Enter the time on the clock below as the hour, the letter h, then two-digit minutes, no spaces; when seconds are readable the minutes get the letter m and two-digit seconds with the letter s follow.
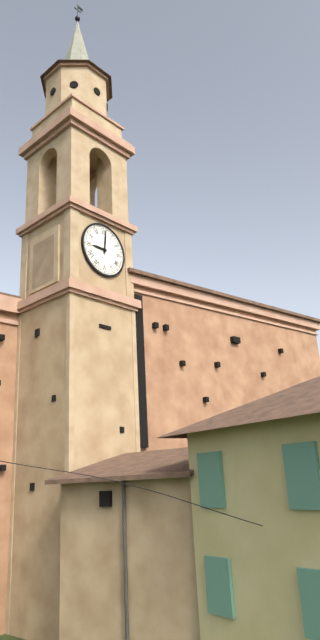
9h01
